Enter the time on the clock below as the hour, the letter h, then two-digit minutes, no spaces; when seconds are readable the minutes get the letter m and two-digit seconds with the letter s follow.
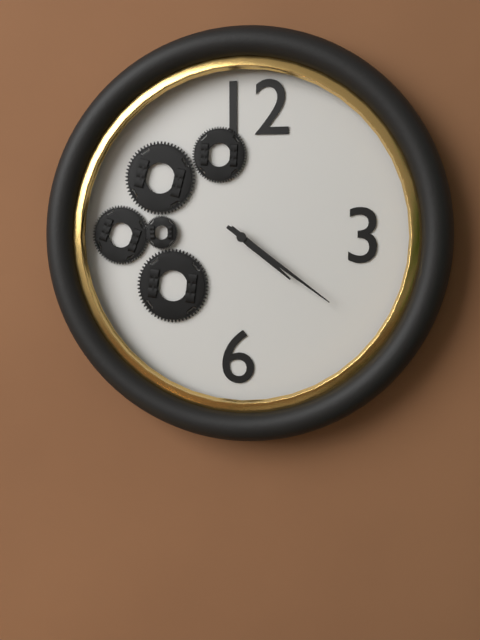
4h21
